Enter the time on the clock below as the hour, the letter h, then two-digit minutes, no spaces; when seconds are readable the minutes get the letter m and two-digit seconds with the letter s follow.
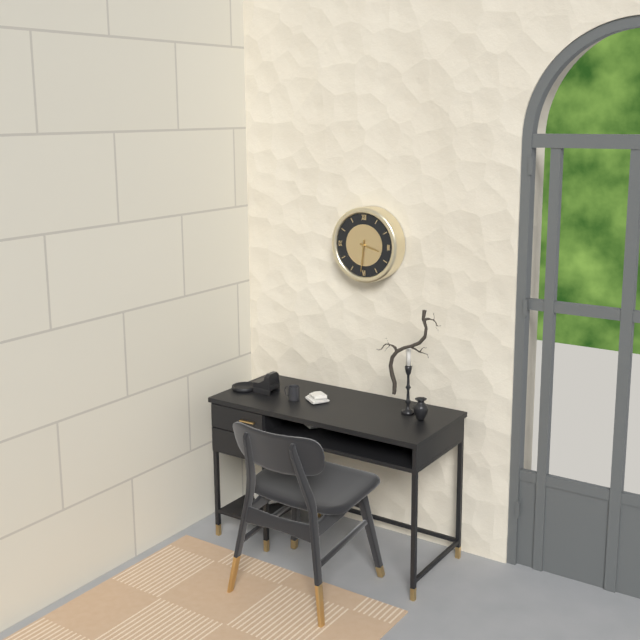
3h31
